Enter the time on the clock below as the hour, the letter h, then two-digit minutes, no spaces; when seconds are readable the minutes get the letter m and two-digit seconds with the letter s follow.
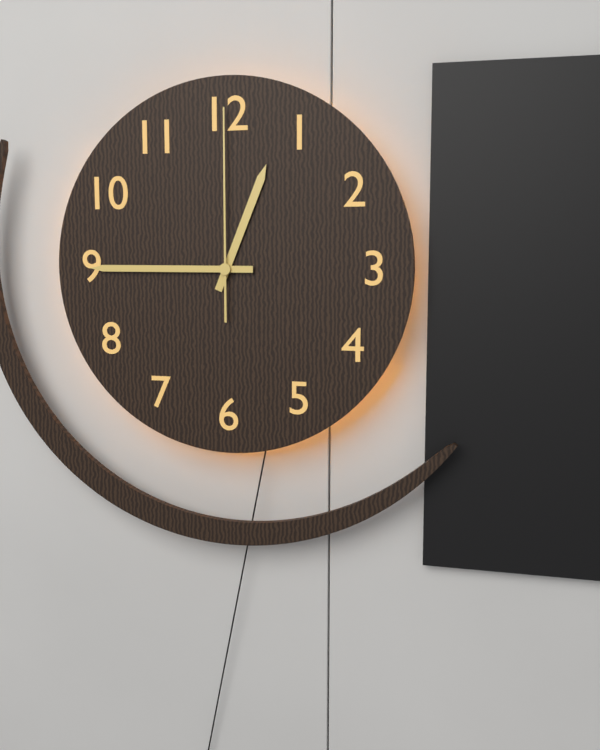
12h45m00s
